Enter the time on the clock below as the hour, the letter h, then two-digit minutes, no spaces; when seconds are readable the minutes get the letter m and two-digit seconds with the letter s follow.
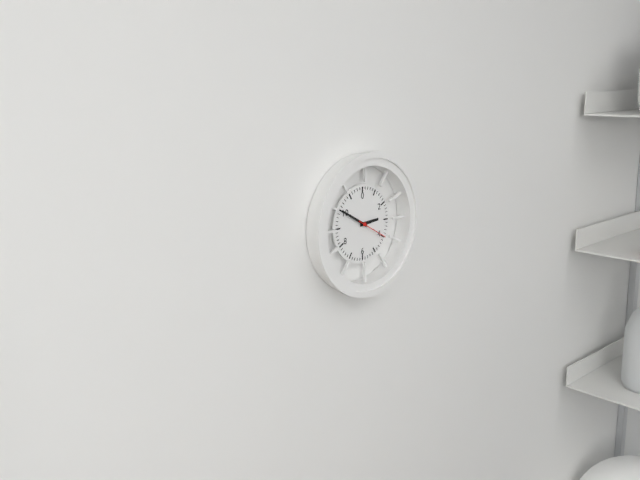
2h50
